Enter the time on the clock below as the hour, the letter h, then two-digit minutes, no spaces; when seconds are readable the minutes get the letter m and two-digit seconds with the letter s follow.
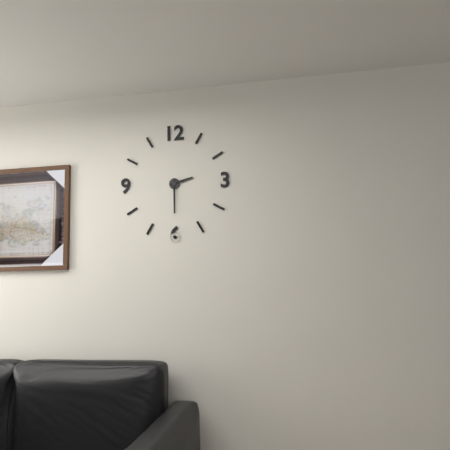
2h30
